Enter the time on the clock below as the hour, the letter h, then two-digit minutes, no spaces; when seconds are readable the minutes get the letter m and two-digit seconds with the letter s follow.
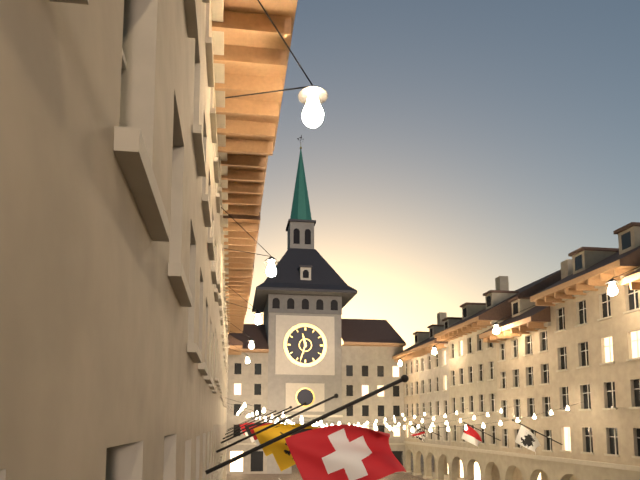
11h33
